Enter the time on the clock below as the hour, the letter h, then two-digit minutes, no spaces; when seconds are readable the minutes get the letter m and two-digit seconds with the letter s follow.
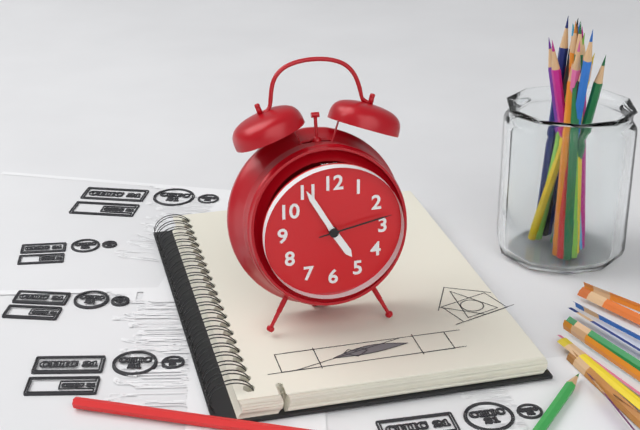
4h55m13s
